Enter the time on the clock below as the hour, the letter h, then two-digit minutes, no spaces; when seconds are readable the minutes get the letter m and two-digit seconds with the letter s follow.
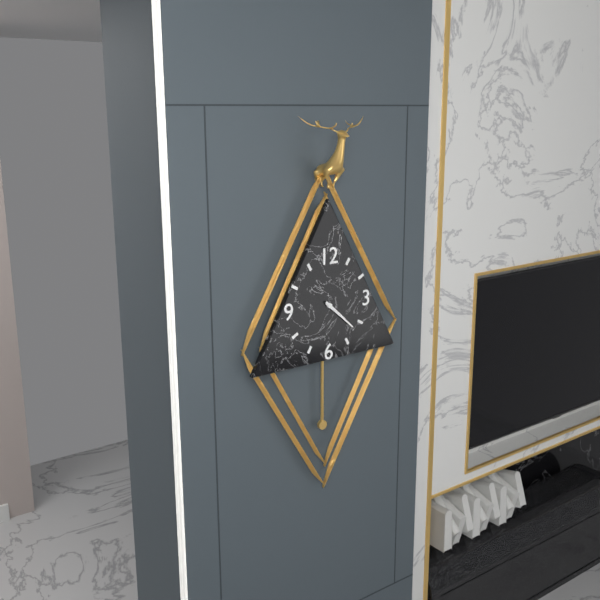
4h22
